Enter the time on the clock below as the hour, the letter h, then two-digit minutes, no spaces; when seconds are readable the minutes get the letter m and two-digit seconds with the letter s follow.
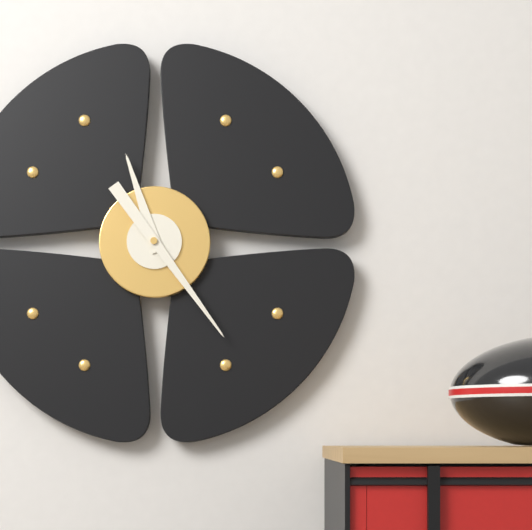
11h24
